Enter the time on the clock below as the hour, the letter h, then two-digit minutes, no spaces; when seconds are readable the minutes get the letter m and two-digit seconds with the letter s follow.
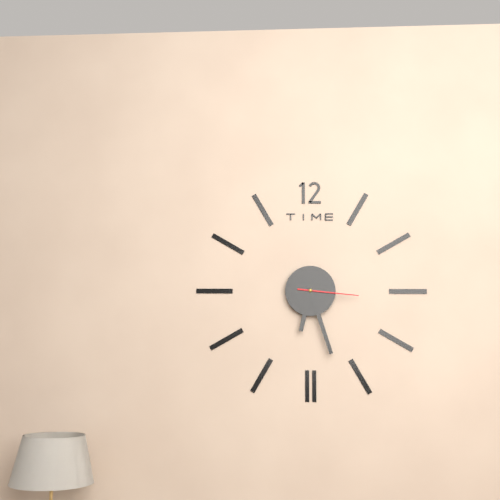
6h27m16s
